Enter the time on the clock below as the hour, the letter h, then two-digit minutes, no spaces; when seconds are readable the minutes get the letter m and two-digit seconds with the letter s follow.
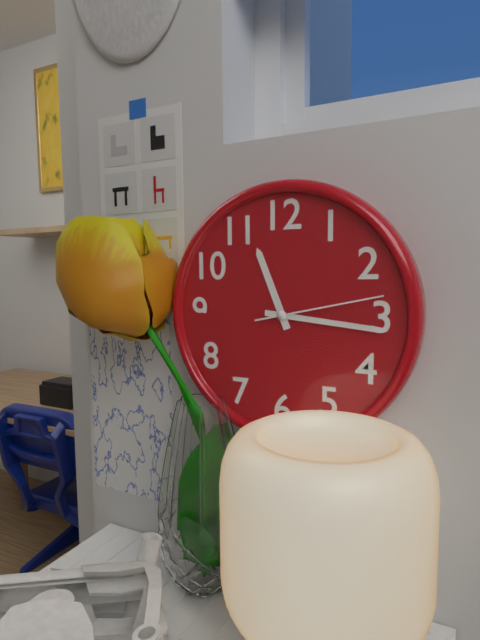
11h16m13s
